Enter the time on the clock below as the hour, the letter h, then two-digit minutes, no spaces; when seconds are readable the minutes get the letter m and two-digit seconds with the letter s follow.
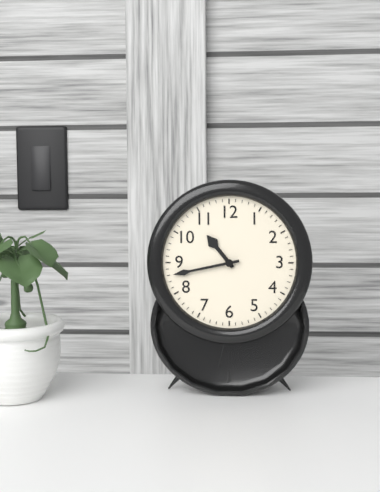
10h43
